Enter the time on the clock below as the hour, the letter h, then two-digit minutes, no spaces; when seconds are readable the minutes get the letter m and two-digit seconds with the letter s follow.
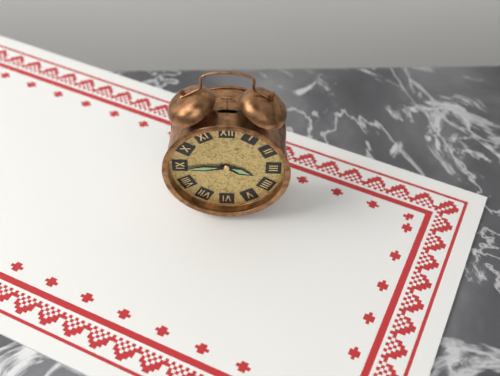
3h44
